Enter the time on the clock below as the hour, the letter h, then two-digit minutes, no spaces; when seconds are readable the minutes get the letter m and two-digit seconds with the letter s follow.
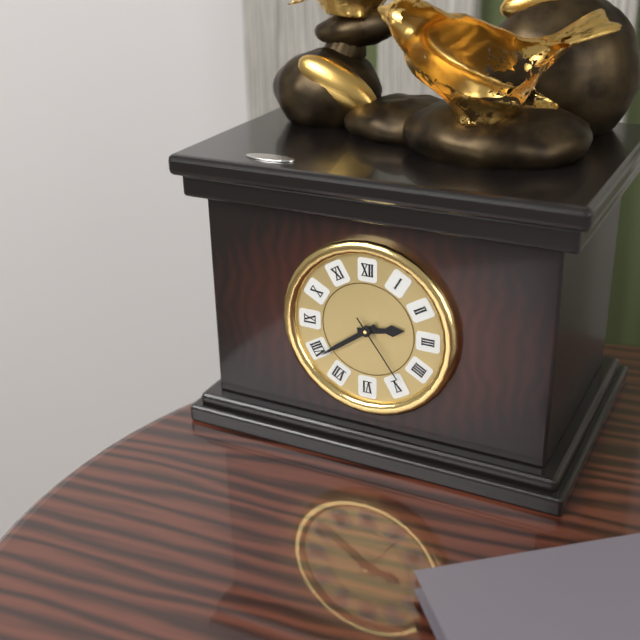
2h39m24s
